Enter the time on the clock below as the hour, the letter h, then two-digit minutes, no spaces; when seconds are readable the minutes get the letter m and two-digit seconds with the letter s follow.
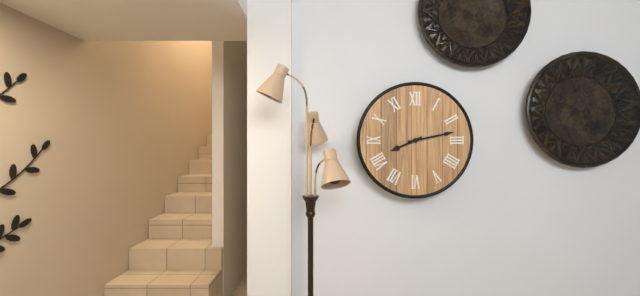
8h13
